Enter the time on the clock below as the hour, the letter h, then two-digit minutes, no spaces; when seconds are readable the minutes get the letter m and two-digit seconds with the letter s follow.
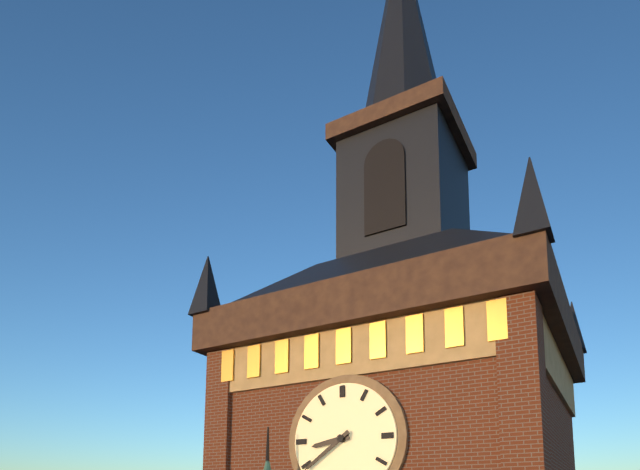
8h39
